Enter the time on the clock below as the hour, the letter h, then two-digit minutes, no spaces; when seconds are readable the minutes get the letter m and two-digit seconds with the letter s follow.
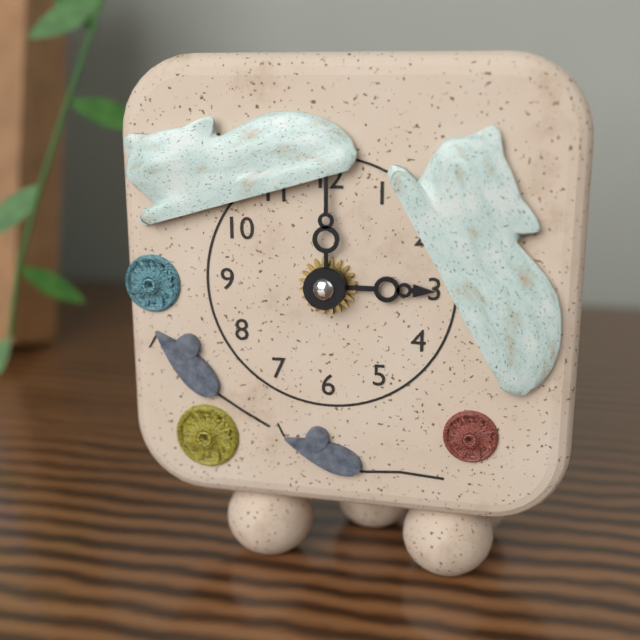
3h00
